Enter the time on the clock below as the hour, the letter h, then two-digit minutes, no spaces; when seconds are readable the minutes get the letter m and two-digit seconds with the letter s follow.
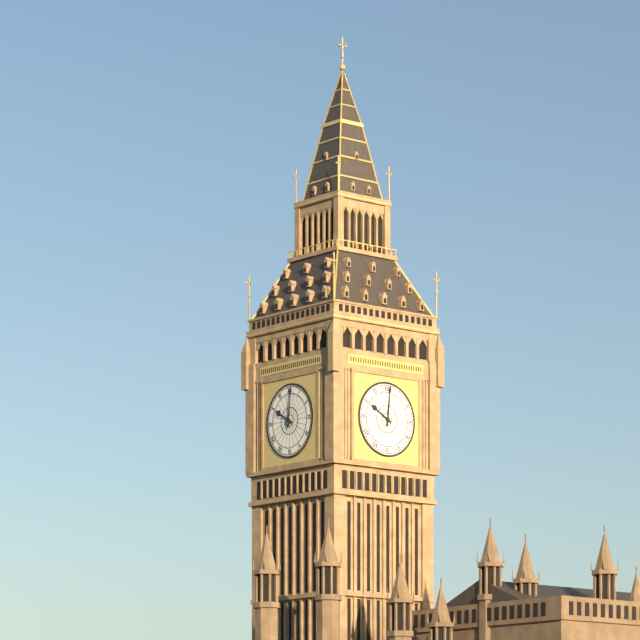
10h01
